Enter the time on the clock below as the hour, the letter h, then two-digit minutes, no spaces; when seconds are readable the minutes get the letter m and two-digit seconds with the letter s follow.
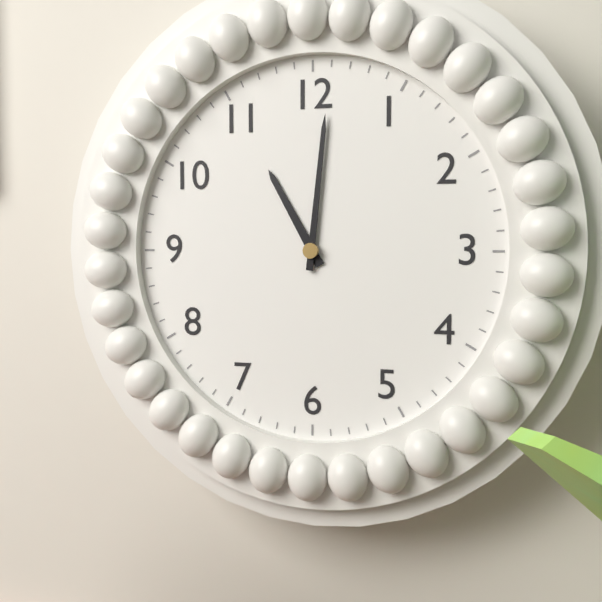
11h01
